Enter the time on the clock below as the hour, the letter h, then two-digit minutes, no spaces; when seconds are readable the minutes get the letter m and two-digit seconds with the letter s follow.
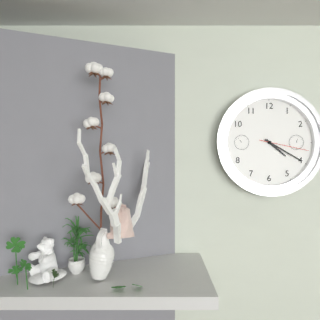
4h20
